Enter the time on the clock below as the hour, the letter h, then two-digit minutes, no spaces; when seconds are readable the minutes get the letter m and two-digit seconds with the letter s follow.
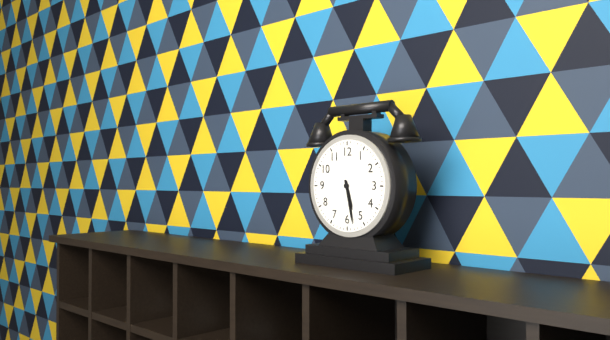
5h28
